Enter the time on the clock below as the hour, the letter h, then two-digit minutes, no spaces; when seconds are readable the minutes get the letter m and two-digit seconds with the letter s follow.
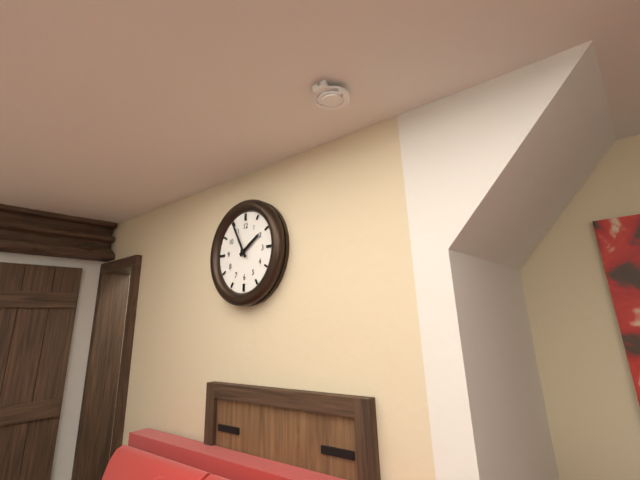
1h55
